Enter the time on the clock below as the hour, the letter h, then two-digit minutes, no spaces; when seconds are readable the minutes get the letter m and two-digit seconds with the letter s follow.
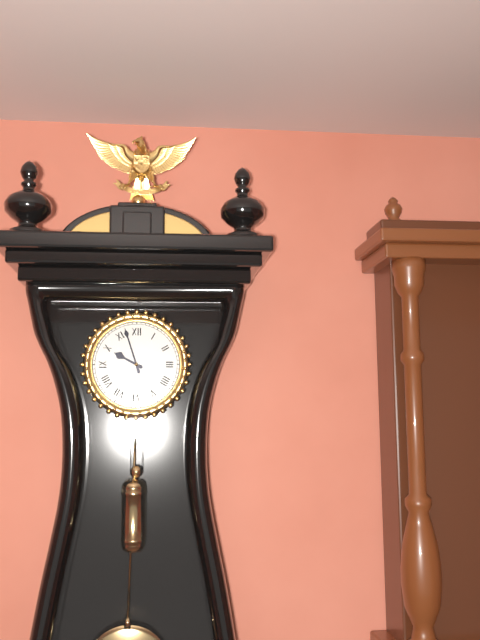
9h57
